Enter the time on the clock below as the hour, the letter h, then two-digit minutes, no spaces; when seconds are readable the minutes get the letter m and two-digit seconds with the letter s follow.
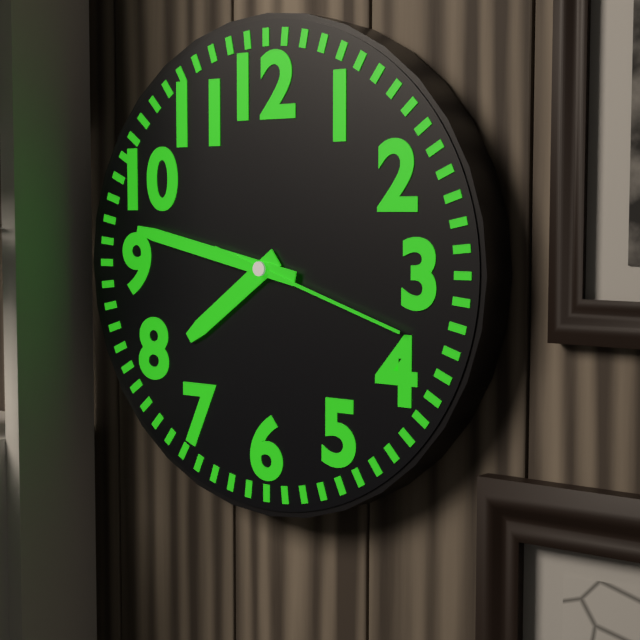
7h47m18s
